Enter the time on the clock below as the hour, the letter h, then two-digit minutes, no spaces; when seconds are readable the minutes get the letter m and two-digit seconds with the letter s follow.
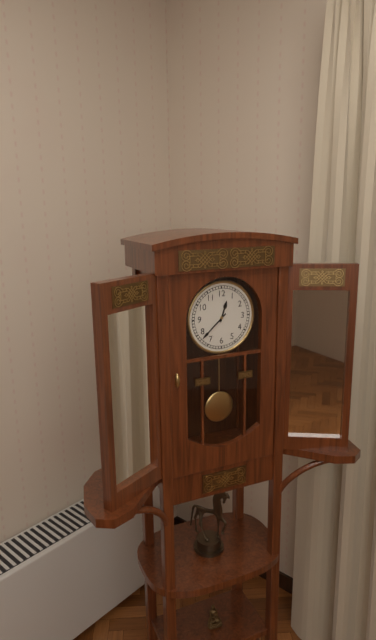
12h38
